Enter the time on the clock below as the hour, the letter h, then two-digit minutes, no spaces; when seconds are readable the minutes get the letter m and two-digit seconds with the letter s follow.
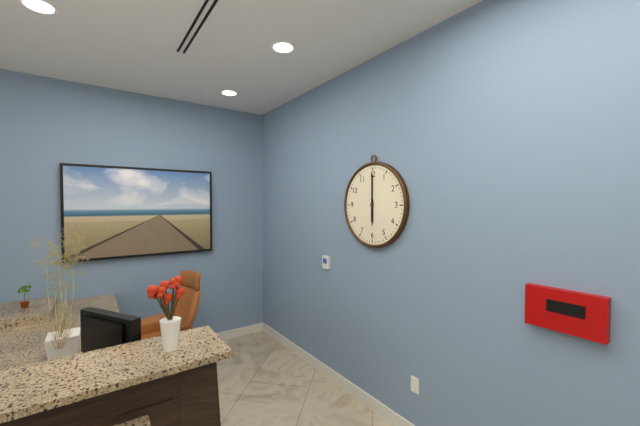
6h00
